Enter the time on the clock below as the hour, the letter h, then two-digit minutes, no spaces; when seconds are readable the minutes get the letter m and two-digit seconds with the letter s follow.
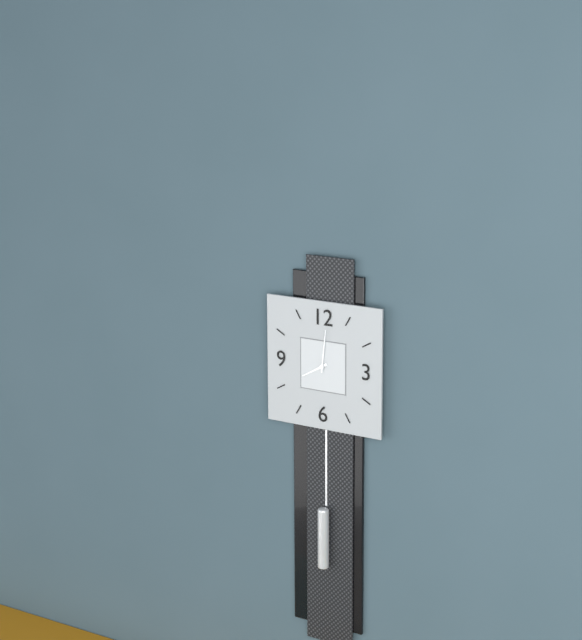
8h01
